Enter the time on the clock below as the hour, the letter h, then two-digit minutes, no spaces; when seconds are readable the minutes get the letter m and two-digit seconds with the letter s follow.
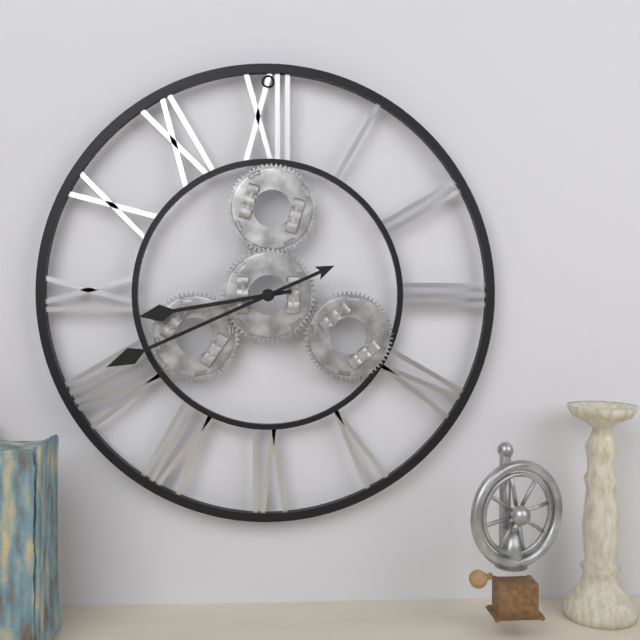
8h41
